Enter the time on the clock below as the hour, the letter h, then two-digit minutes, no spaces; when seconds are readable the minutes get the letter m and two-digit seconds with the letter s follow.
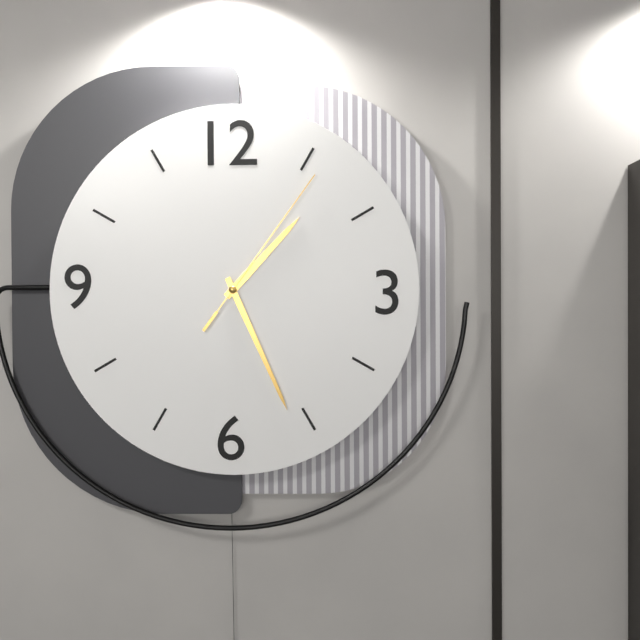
1h26m06s
